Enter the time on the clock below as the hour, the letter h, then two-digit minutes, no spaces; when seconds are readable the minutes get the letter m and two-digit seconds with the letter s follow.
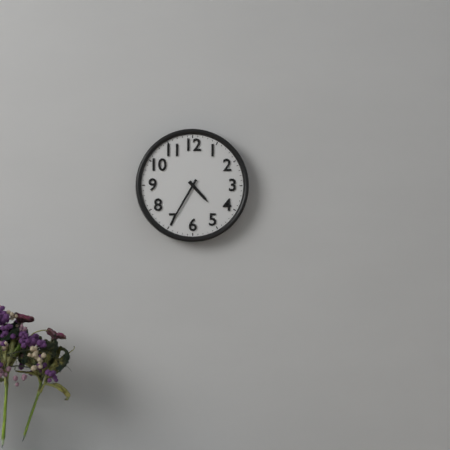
4h35
